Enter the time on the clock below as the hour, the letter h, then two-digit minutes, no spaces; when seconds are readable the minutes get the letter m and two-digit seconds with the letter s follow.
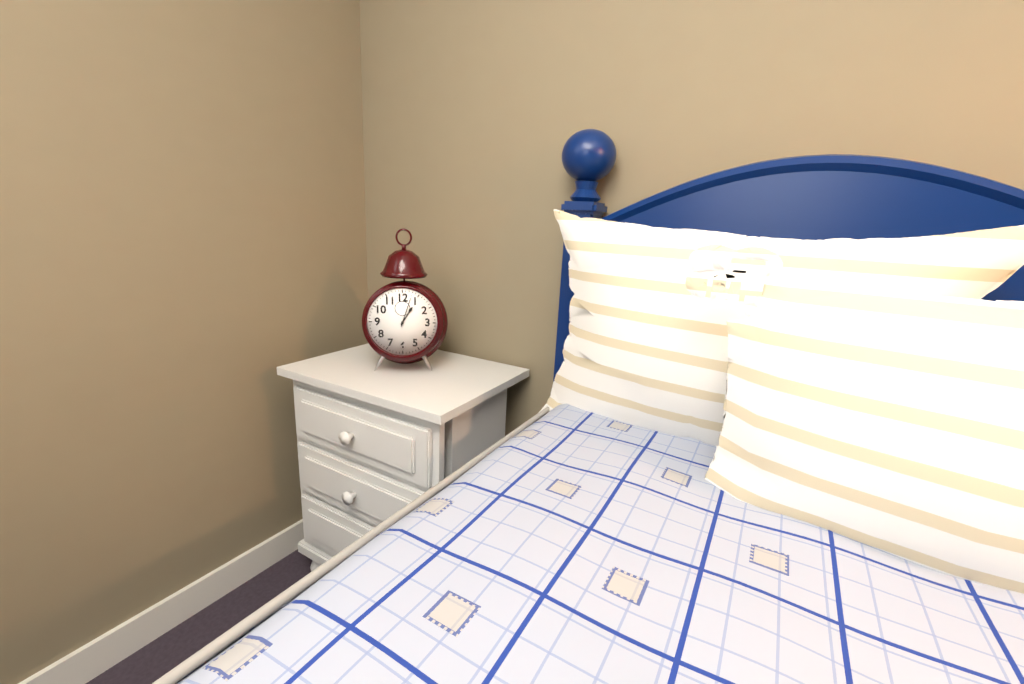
1h03
